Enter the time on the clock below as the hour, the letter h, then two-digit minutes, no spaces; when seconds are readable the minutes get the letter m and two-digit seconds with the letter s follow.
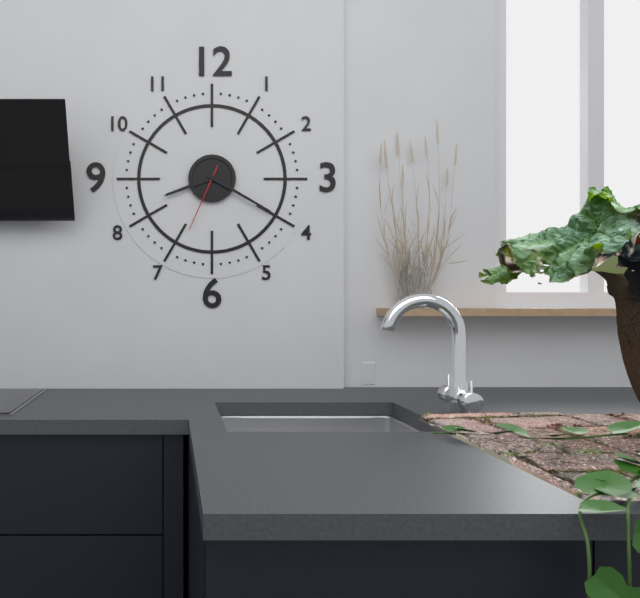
8h20m34s
